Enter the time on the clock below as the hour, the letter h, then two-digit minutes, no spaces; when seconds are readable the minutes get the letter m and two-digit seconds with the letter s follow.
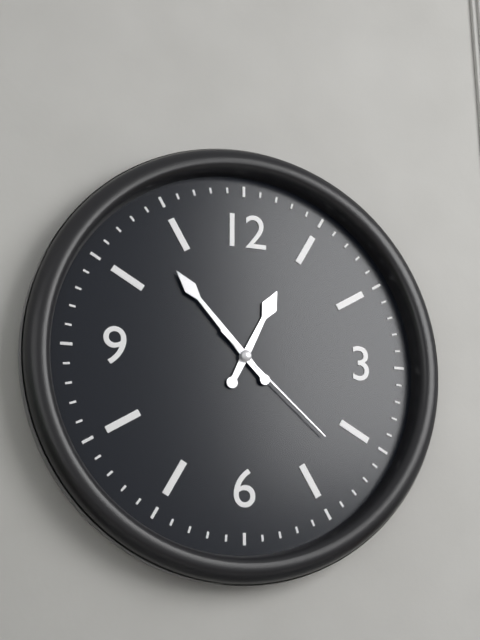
12h53m22s
